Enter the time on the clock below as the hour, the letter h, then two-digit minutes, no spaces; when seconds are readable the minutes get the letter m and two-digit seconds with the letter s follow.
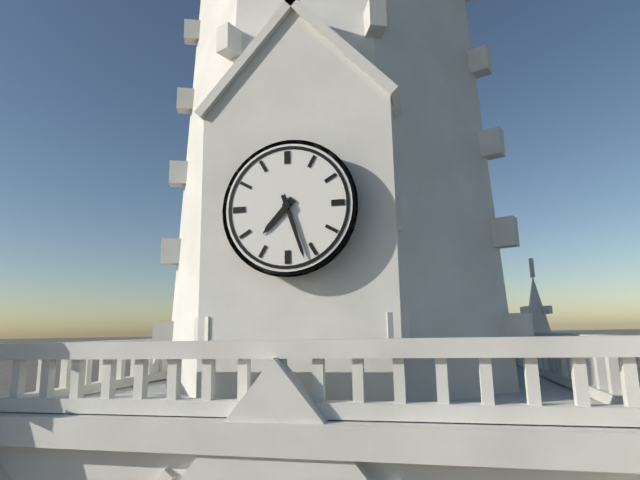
7h27
